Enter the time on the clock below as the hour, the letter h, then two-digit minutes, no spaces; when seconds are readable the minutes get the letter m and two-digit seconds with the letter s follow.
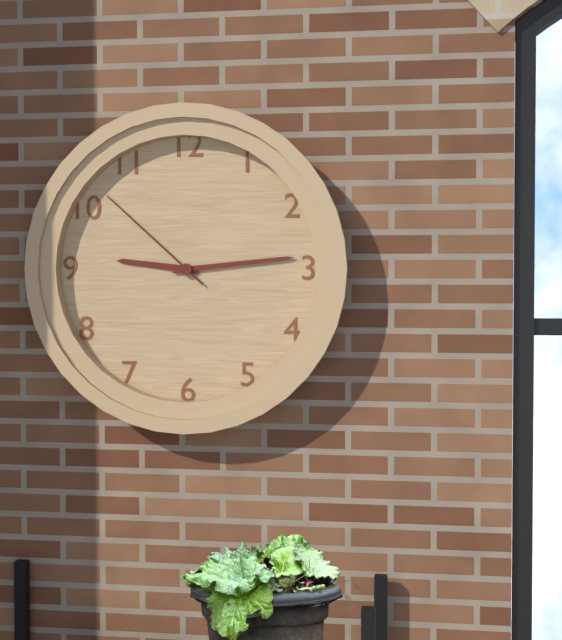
9h14m52s
